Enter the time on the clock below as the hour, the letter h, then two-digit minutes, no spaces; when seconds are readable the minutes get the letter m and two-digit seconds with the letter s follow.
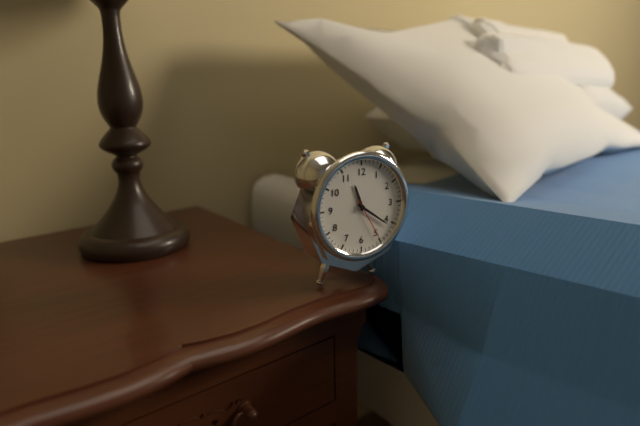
11h21
